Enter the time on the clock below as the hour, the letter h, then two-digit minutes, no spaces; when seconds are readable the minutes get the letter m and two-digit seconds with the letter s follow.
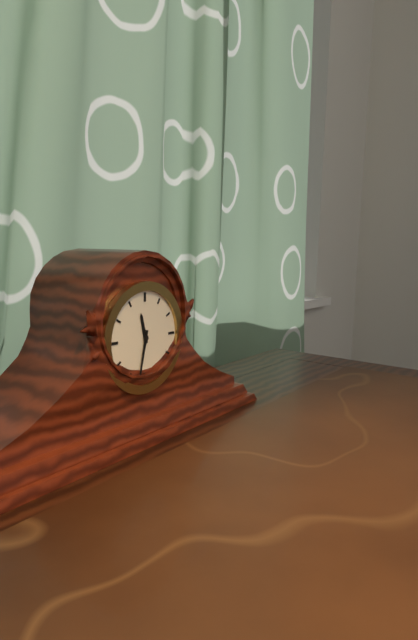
11h32
